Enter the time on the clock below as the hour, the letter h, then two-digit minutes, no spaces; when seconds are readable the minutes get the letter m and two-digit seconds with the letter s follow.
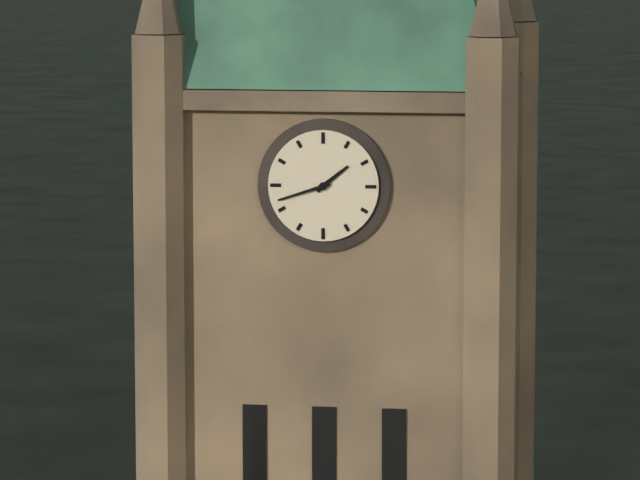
1h42
